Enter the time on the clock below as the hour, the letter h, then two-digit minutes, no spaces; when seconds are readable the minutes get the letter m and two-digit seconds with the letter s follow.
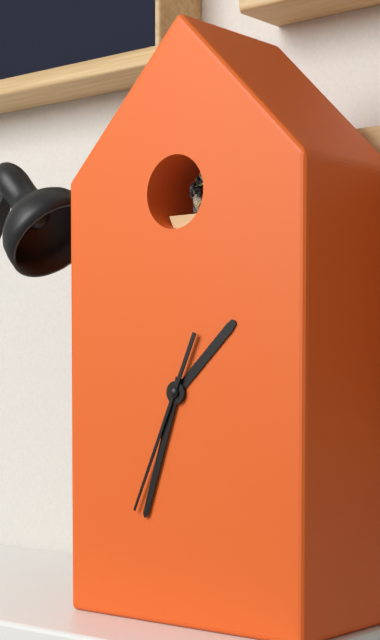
1h33m34s
